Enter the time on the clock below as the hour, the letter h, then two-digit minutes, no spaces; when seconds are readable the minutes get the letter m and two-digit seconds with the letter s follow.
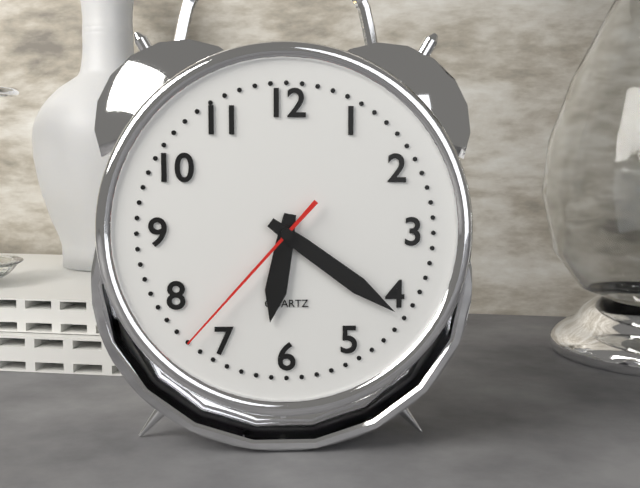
6h21m37s
